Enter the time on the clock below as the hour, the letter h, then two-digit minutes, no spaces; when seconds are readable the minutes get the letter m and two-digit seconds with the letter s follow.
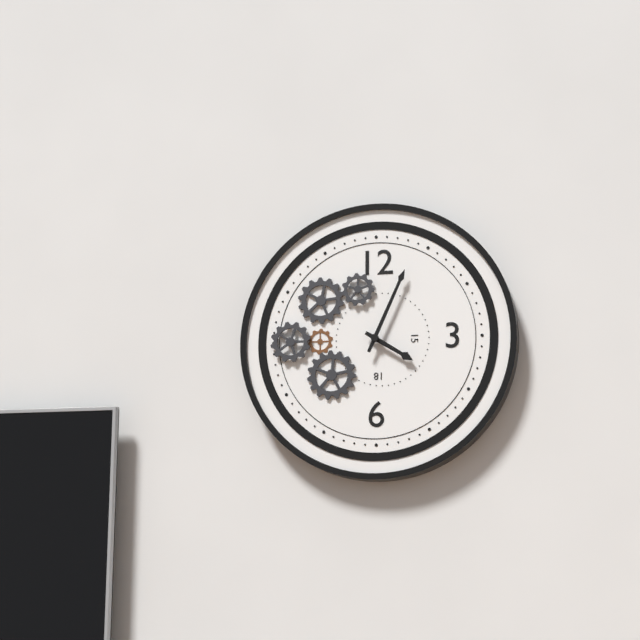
4h04
